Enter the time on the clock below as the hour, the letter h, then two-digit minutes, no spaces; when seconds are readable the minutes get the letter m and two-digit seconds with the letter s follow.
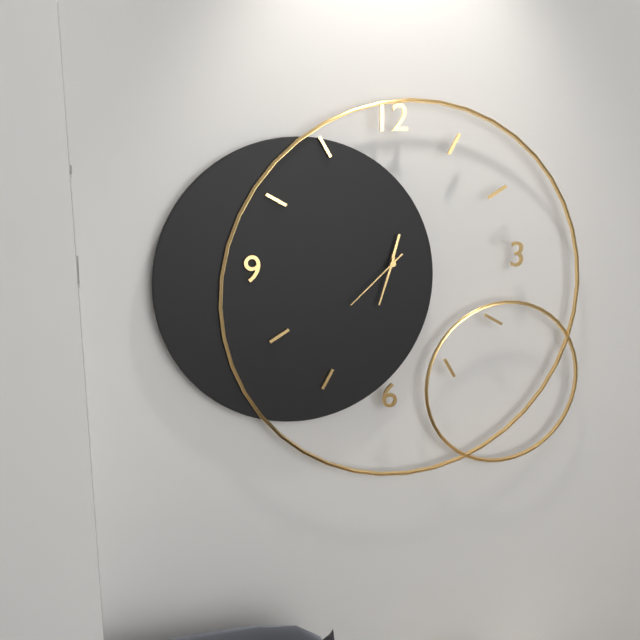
12h33m38s
